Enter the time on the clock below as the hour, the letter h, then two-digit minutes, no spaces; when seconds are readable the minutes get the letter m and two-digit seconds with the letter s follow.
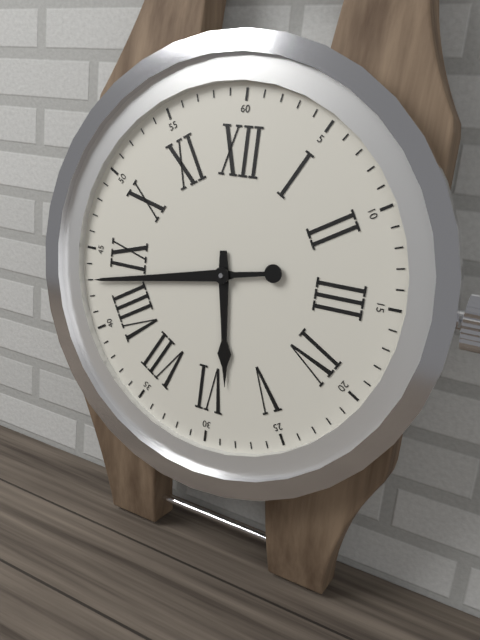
5h43
